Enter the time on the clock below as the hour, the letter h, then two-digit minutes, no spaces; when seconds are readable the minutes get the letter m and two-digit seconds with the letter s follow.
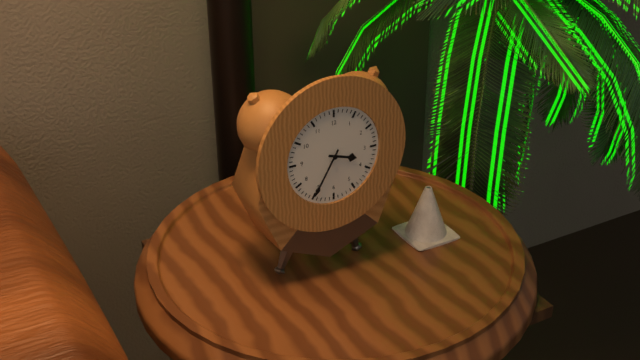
3h35
